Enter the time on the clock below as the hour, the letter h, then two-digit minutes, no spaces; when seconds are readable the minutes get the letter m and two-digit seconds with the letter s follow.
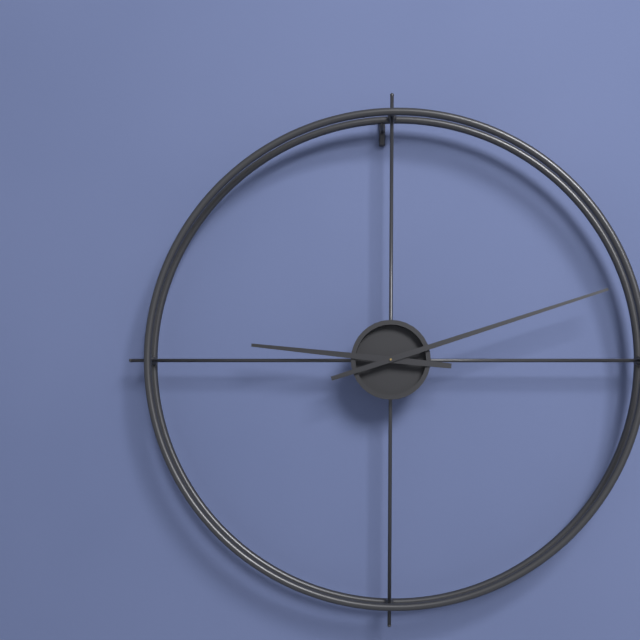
9h12
